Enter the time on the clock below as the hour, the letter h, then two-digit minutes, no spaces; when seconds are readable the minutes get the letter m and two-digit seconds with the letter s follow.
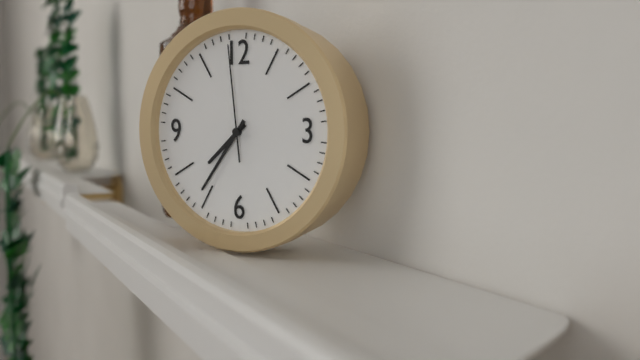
7h36m59s
